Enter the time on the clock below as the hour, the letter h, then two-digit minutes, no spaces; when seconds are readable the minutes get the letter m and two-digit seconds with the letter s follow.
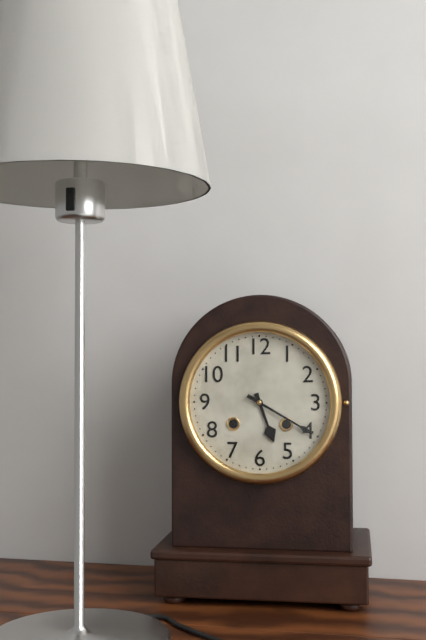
5h20
